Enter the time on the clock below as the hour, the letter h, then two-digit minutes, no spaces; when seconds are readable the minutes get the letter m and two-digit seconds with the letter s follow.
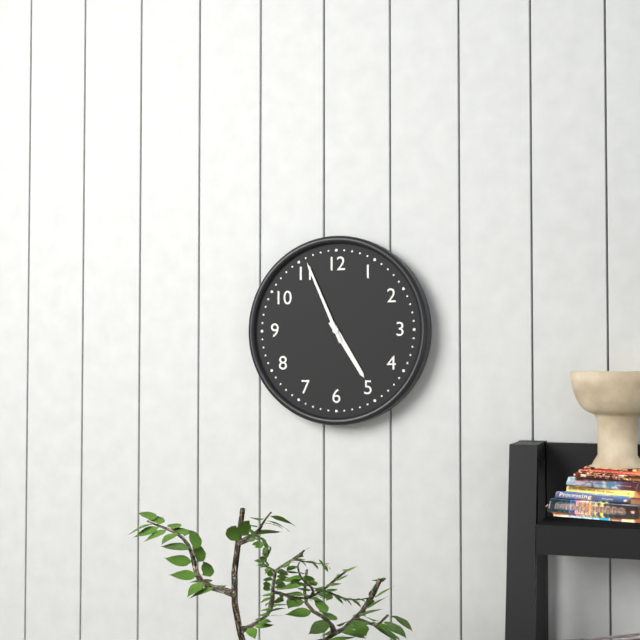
4h56
